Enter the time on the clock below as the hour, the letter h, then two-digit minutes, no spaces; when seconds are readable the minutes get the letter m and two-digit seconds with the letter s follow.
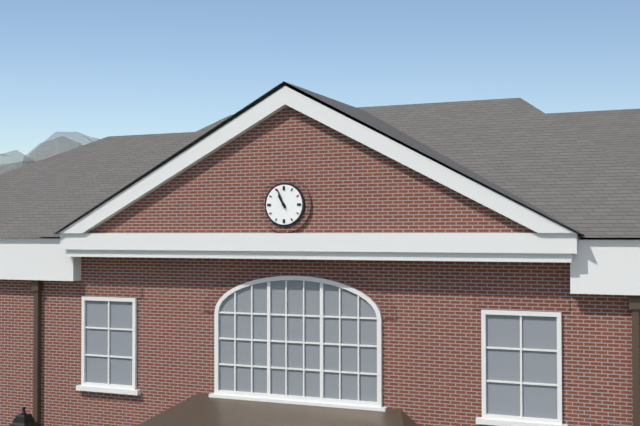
10h56
